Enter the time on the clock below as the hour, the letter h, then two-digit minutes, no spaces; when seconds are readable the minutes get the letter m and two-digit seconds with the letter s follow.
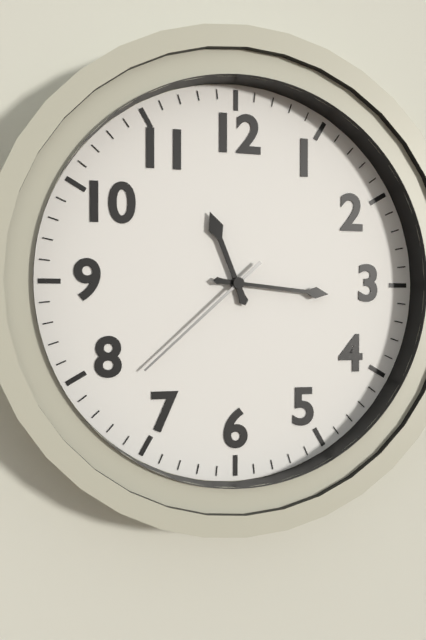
11h16m38s
